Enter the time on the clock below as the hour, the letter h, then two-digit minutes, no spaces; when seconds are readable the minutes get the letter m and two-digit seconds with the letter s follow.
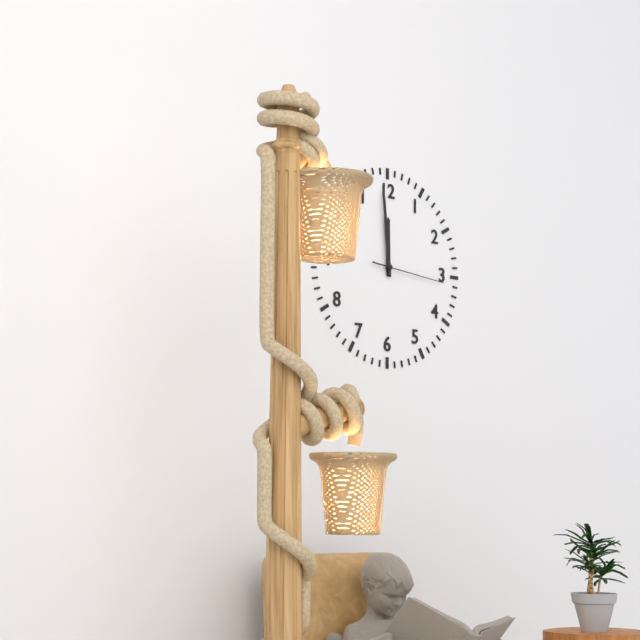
11h59m16s
